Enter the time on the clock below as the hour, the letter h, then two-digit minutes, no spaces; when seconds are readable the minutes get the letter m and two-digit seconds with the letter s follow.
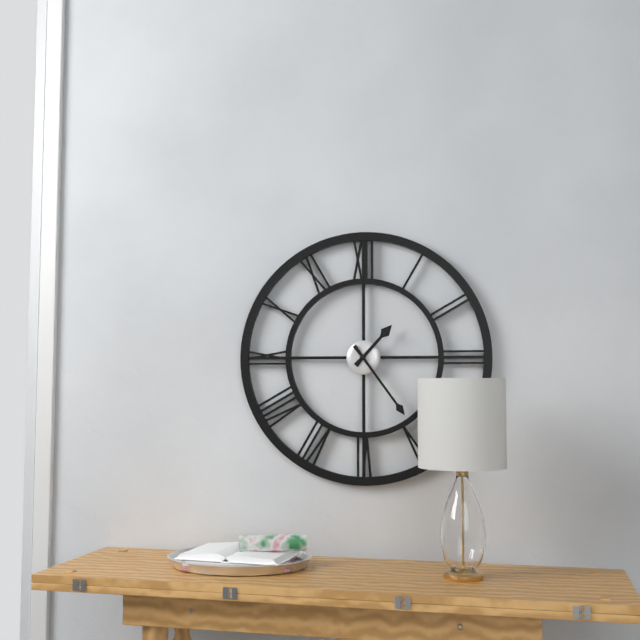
1h24
